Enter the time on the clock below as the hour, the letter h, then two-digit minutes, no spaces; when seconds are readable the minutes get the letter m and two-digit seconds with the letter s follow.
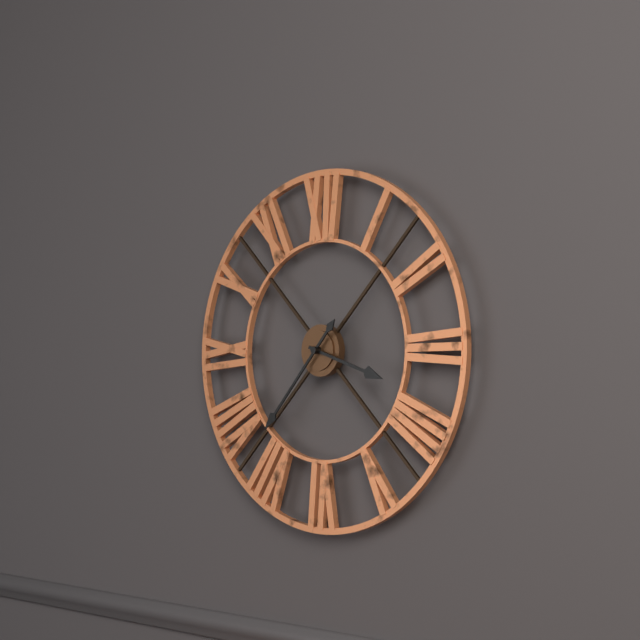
3h37
